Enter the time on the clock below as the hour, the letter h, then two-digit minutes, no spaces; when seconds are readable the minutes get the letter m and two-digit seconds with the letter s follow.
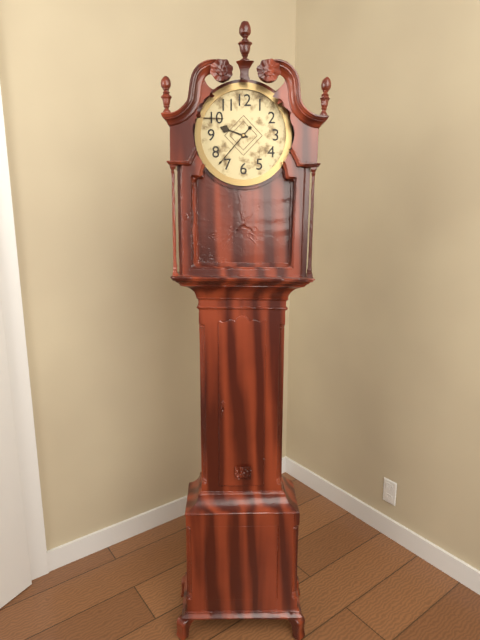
9h37
